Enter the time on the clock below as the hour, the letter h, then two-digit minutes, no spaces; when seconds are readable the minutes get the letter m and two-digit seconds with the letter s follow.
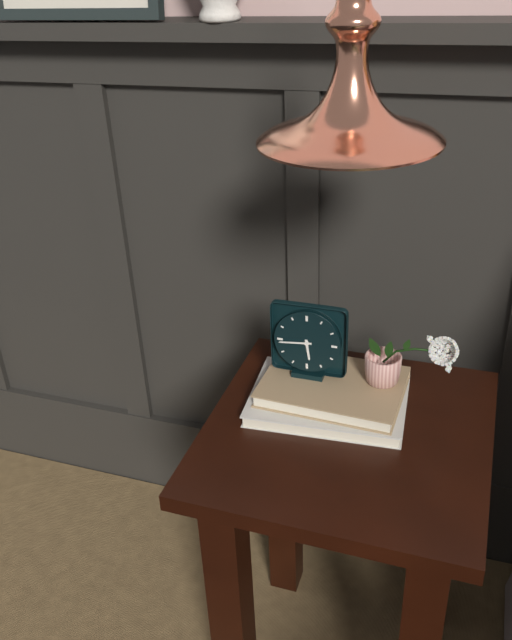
5h44
